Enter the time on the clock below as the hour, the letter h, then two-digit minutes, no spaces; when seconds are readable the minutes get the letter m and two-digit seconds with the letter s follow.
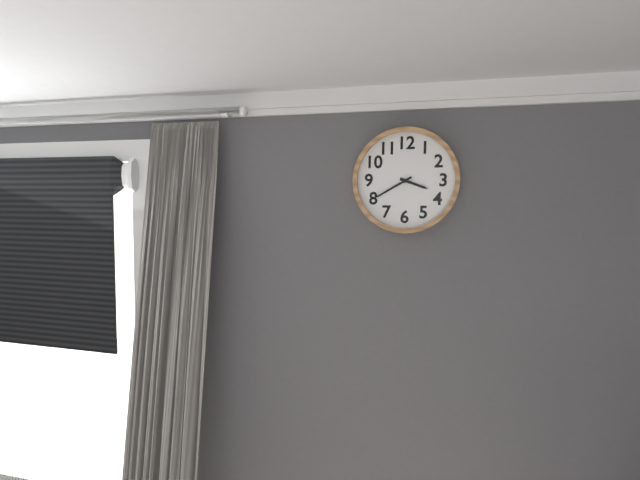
3h40
